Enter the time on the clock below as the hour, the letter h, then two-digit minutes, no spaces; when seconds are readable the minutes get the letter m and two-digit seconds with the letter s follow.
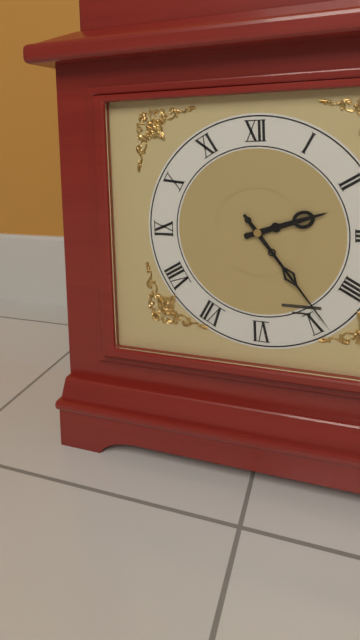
2h24
